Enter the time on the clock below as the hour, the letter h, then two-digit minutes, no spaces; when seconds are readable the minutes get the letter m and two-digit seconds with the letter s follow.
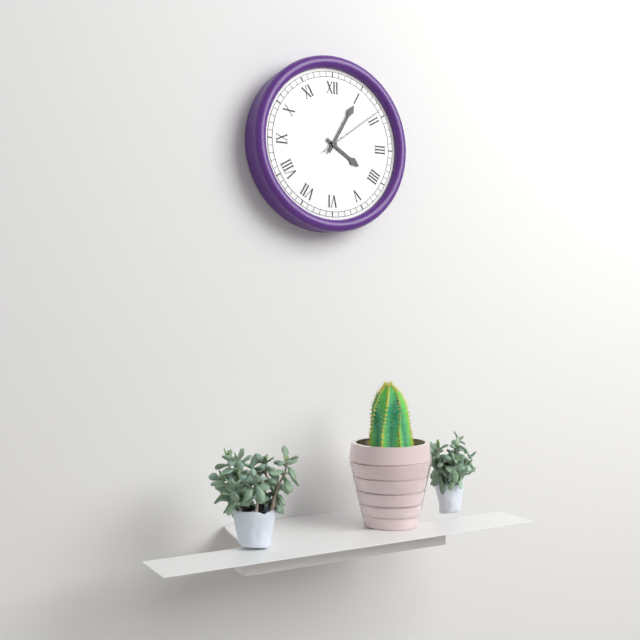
4h05m09s
